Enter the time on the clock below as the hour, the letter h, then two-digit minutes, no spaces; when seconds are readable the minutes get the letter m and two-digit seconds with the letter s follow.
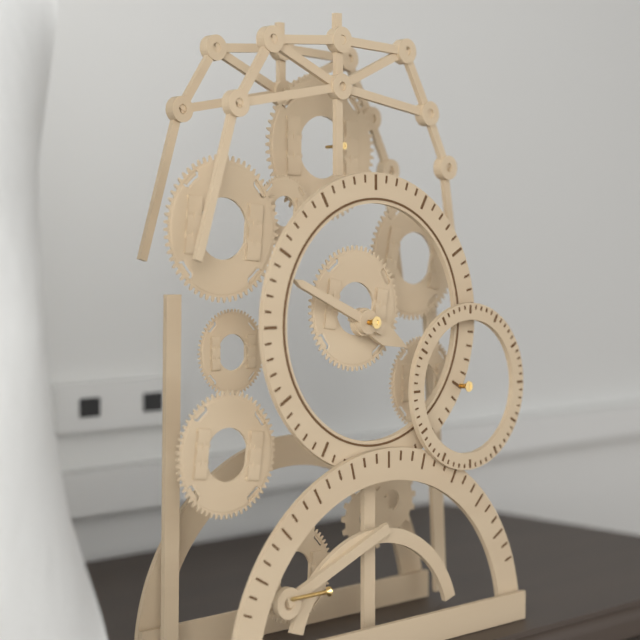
3h49
